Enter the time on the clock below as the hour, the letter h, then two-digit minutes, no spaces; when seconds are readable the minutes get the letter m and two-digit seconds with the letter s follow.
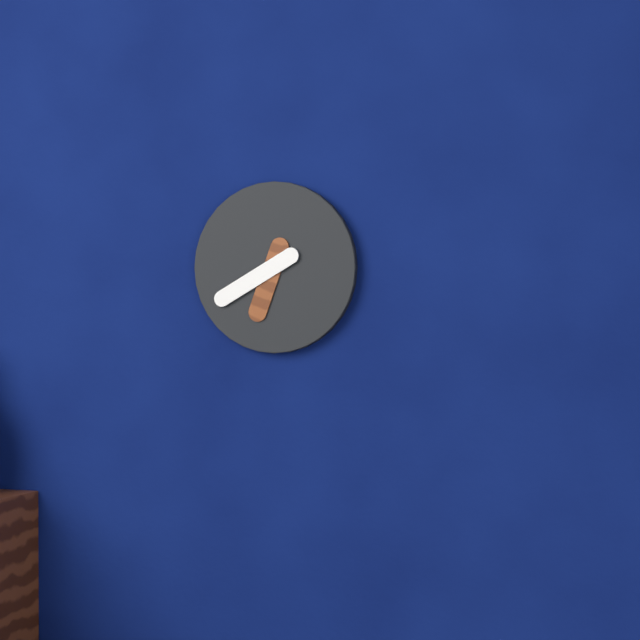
6h40
